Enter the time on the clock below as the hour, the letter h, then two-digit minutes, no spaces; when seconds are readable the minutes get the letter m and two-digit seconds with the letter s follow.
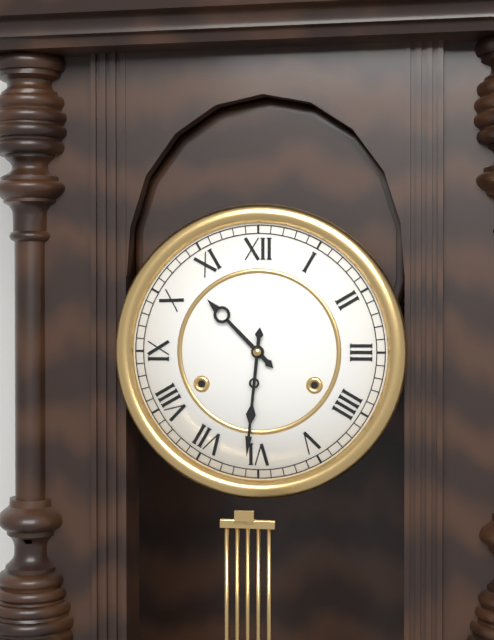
10h31
